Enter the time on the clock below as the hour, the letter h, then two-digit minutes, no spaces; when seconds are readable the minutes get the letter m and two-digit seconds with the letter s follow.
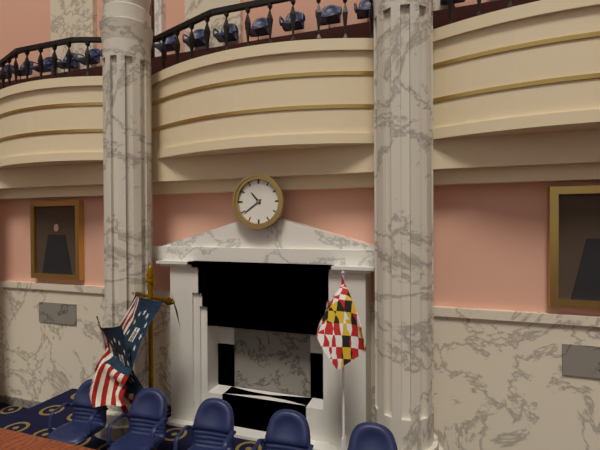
10h39
